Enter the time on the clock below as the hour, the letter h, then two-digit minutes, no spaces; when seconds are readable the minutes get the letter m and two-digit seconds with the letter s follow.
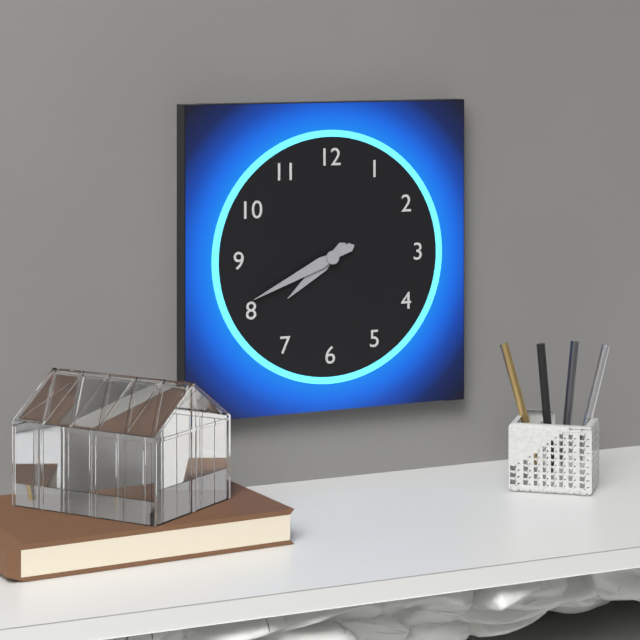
7h41
